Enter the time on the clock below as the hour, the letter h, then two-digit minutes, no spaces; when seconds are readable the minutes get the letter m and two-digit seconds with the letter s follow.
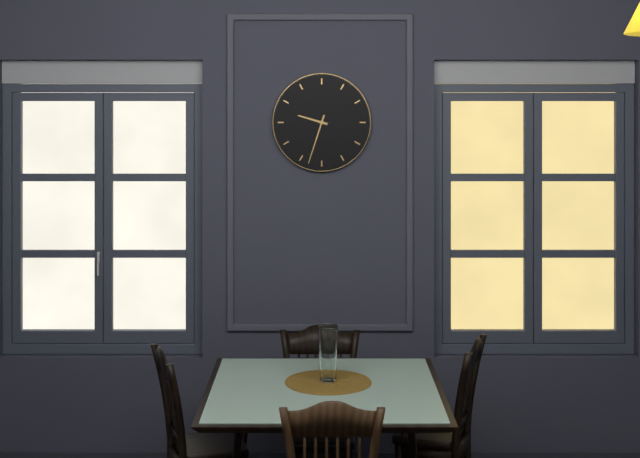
9h33
